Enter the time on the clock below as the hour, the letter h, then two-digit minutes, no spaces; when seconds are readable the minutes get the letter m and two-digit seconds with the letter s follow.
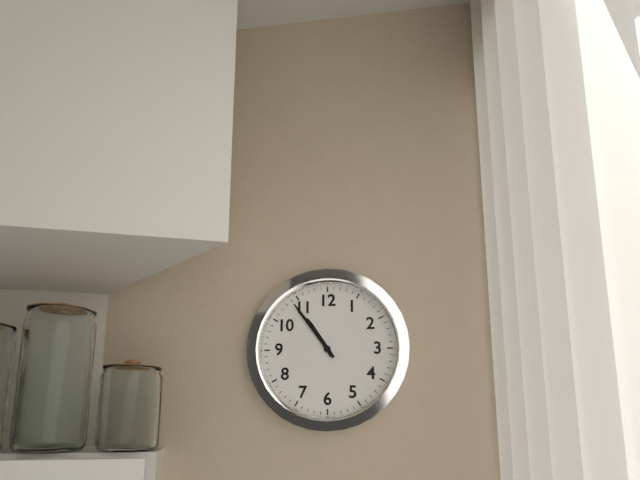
10h54
